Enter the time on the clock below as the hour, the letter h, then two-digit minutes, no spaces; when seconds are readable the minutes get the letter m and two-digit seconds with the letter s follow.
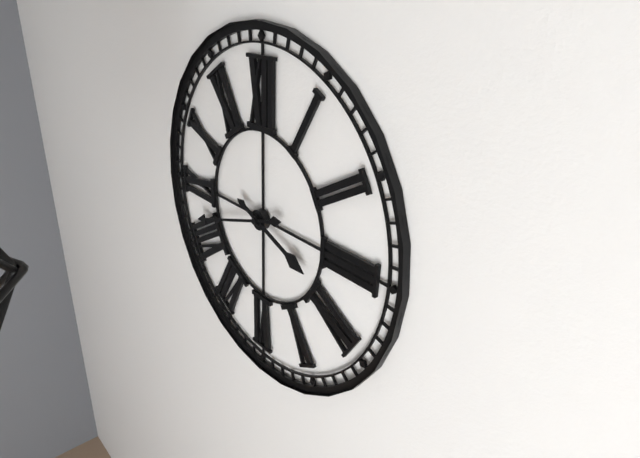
3h42
